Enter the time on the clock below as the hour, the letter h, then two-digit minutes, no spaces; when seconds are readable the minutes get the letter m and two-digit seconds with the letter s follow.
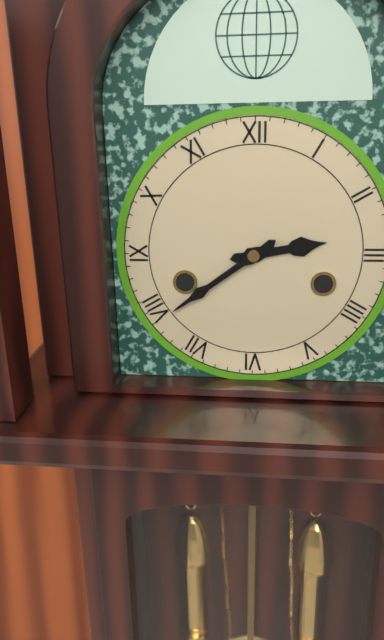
2h39
